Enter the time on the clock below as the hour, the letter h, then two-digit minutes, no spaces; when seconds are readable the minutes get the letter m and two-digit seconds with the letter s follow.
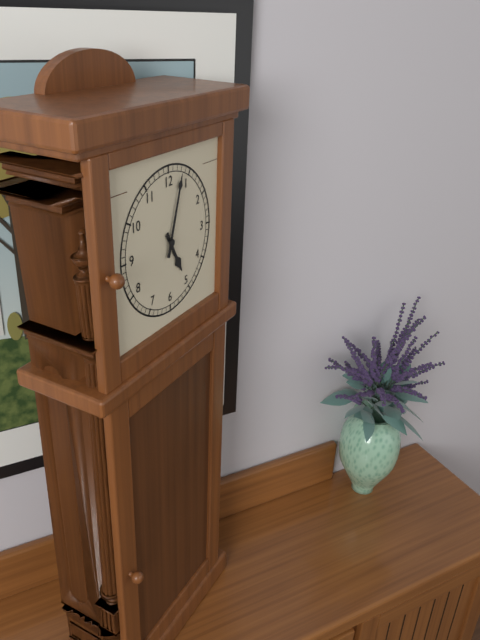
5h03
